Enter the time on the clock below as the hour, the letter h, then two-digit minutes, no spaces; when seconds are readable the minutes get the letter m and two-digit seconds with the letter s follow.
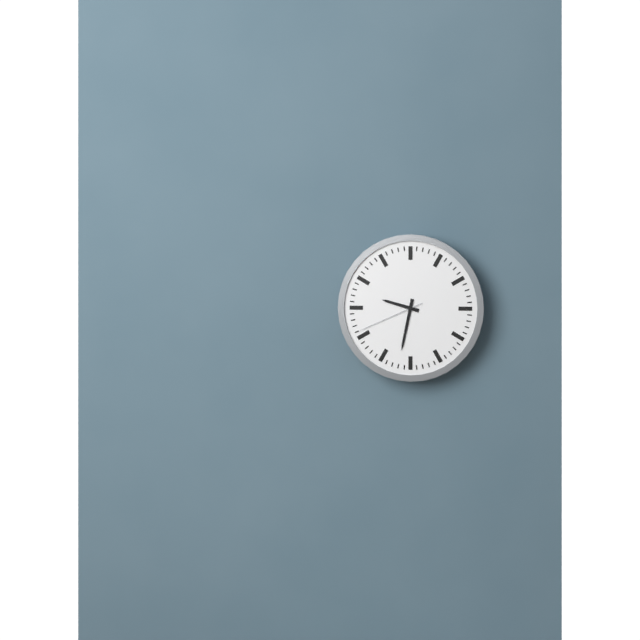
9h32m41s
